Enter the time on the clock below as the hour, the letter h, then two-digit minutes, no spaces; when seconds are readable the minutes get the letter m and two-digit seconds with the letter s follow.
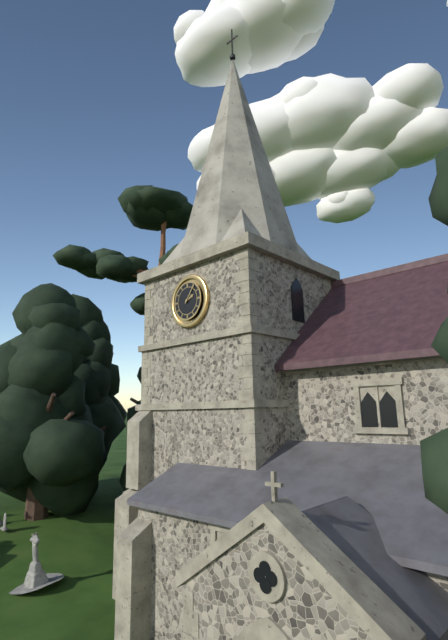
2h06
